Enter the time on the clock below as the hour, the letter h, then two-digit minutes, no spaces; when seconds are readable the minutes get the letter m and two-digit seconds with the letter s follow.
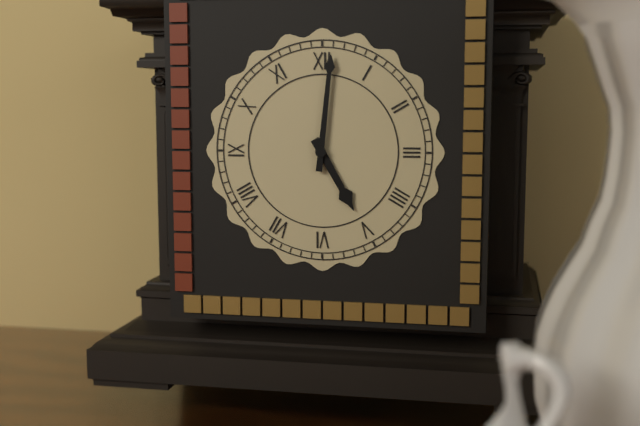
5h01
